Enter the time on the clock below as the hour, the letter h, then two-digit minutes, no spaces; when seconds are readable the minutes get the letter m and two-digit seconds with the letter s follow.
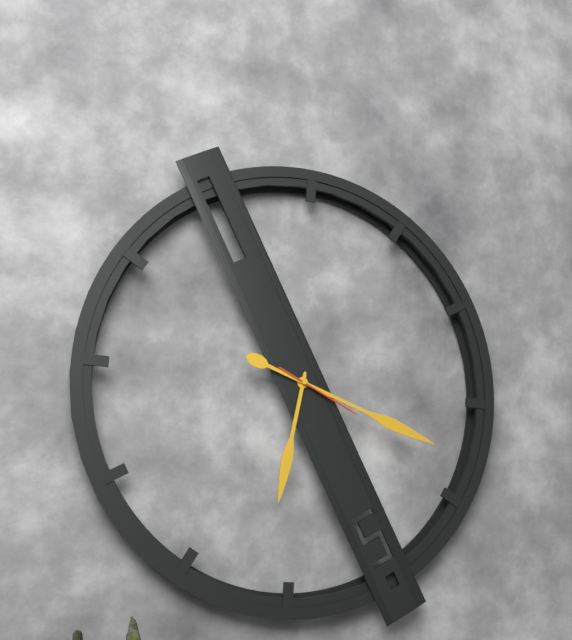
6h18m19s
